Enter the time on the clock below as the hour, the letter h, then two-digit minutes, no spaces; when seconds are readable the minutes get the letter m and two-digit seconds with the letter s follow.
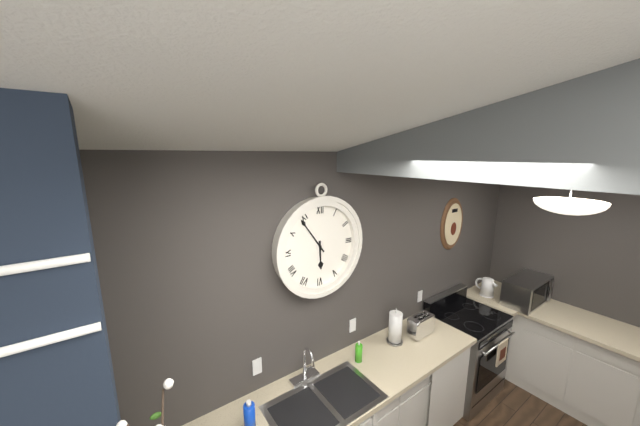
5h54
